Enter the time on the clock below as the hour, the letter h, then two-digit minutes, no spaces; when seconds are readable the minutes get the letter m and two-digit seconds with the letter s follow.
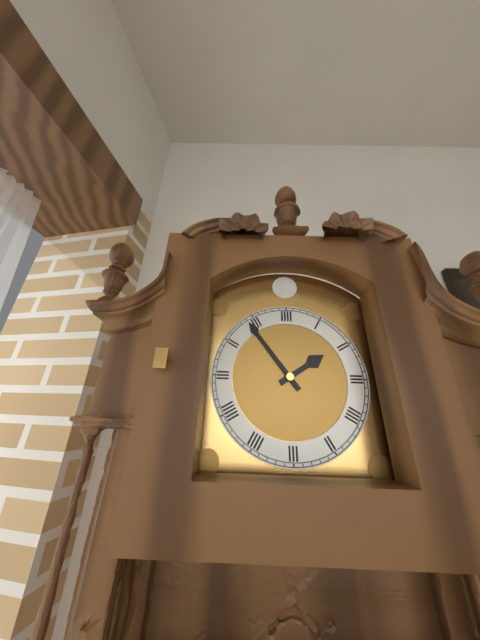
1h54
